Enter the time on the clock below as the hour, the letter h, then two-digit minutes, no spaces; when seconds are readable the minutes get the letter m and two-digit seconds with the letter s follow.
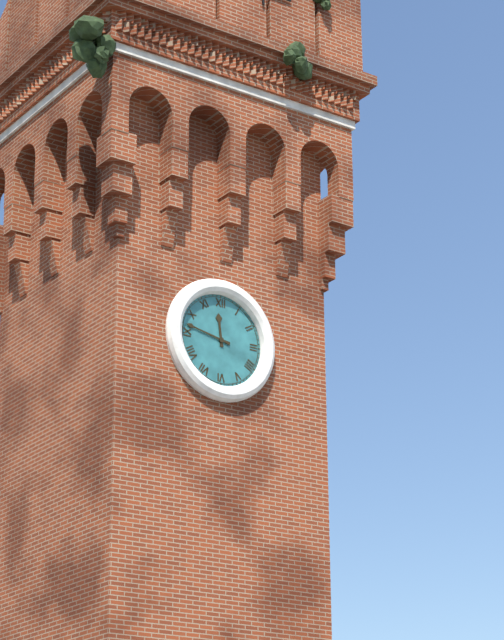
11h47
